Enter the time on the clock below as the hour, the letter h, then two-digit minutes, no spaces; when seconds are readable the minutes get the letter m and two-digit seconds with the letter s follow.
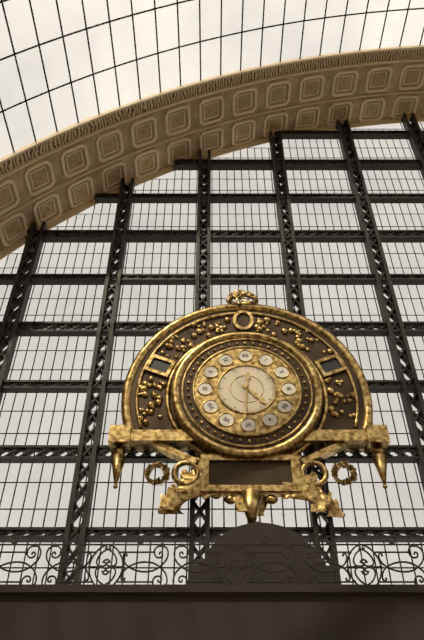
4h31
